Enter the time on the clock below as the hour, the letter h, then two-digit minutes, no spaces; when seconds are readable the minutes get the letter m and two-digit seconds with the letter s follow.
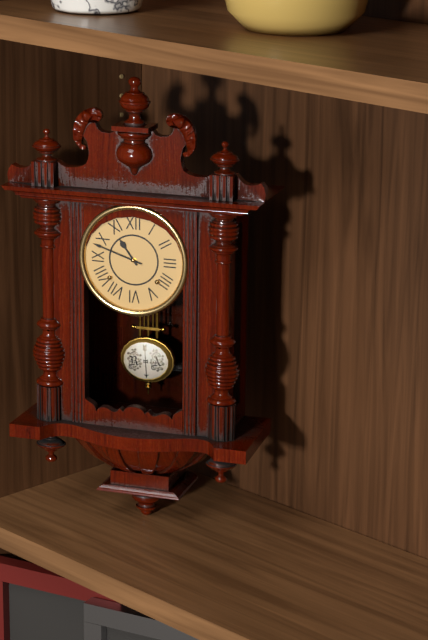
10h48
